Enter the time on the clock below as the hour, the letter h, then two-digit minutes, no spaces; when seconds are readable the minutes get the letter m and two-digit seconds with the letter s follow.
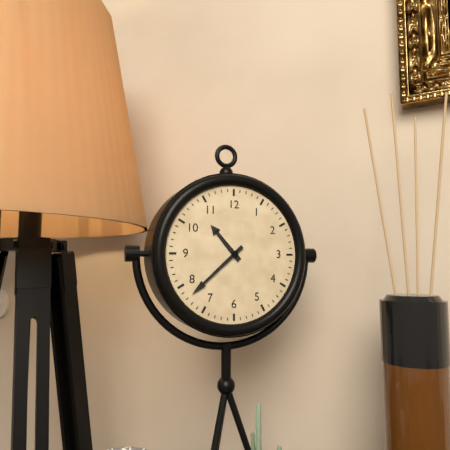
10h38
